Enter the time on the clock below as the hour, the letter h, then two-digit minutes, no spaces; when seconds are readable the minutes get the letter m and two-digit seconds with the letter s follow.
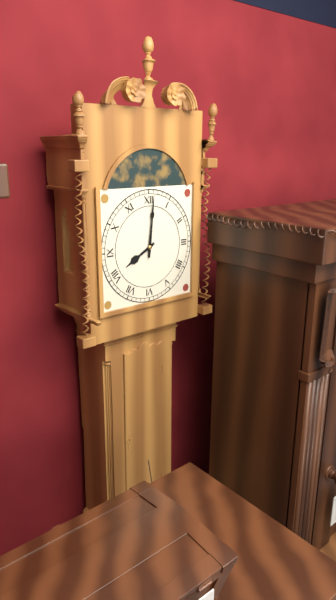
8h01
